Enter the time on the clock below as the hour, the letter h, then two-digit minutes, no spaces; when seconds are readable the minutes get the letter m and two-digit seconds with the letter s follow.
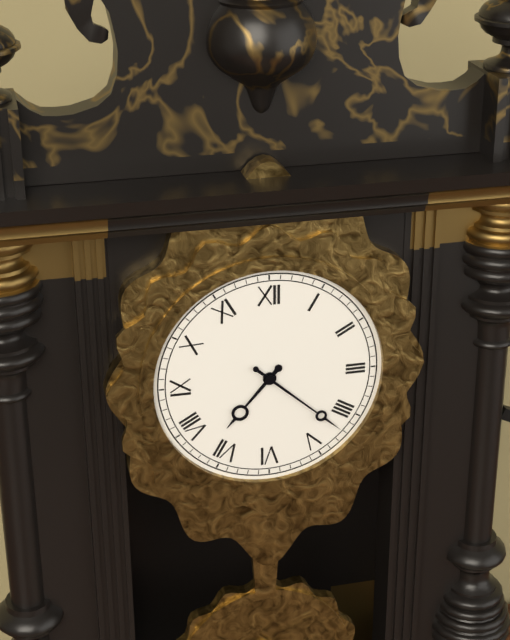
7h22
